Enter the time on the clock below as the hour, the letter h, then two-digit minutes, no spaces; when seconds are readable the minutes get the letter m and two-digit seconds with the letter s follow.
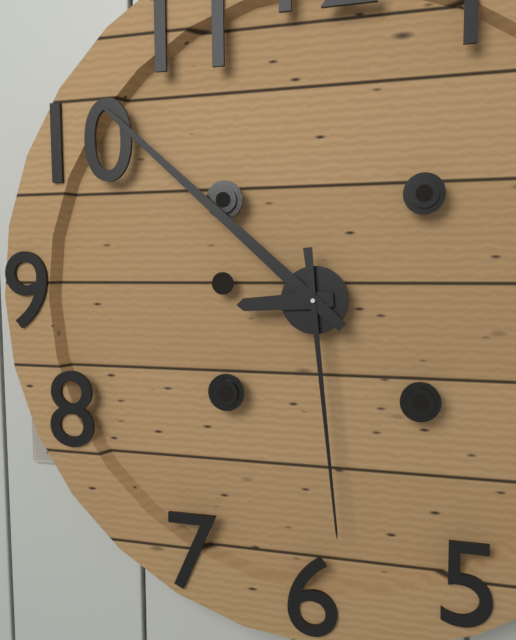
8h52m29s
